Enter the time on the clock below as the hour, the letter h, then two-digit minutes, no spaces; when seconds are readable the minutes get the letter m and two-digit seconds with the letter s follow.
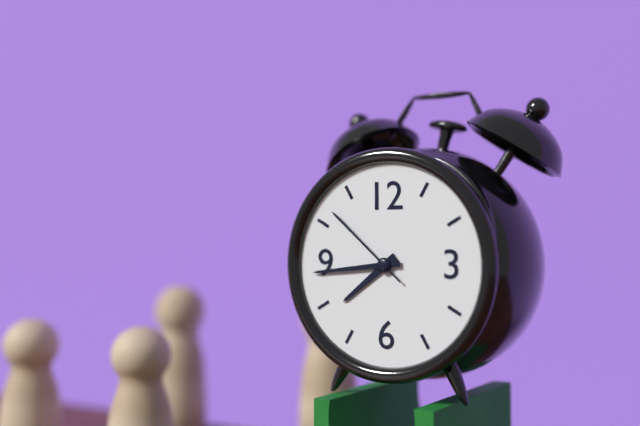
7h44m52s
